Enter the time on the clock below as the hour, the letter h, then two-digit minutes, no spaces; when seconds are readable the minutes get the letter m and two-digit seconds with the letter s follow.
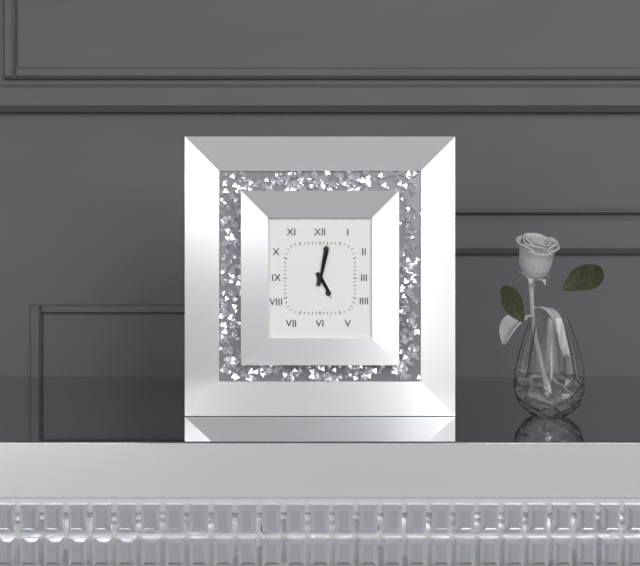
5h02
